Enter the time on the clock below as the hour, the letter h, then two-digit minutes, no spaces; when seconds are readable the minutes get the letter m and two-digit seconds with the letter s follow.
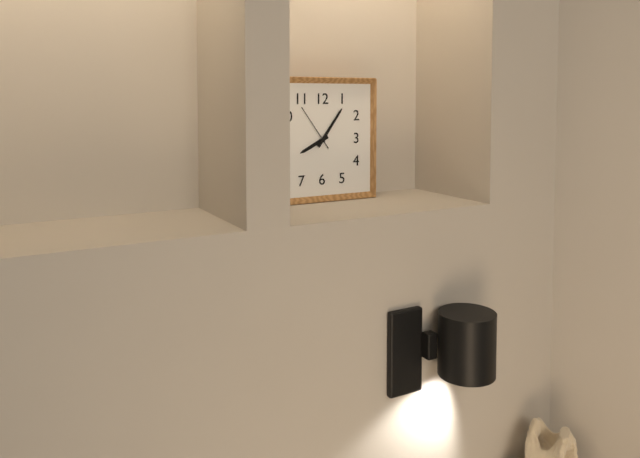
8h06
